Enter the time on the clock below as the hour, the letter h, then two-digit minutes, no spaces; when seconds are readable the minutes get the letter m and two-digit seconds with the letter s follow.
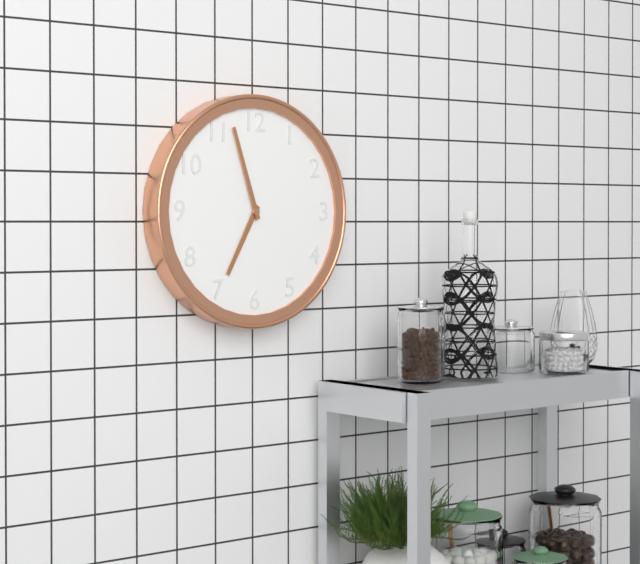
6h57
